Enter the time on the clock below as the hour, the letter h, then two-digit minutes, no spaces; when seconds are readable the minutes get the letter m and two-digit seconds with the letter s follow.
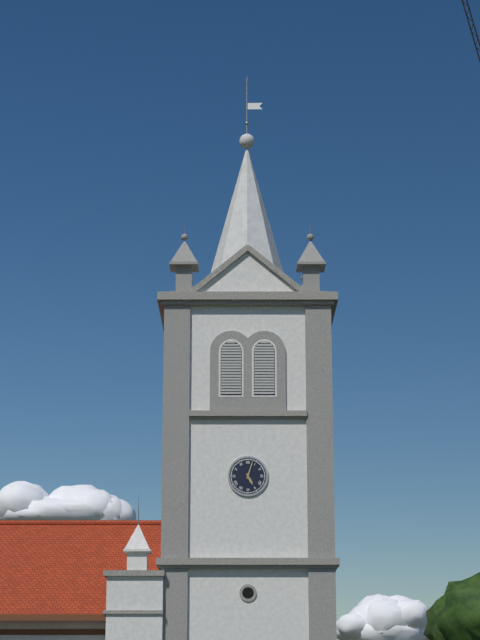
5h03
